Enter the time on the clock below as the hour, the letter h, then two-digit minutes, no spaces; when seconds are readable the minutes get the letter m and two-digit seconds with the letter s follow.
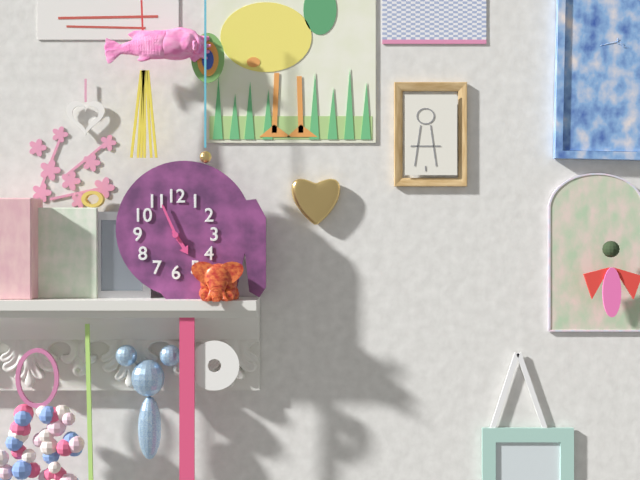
4h56
